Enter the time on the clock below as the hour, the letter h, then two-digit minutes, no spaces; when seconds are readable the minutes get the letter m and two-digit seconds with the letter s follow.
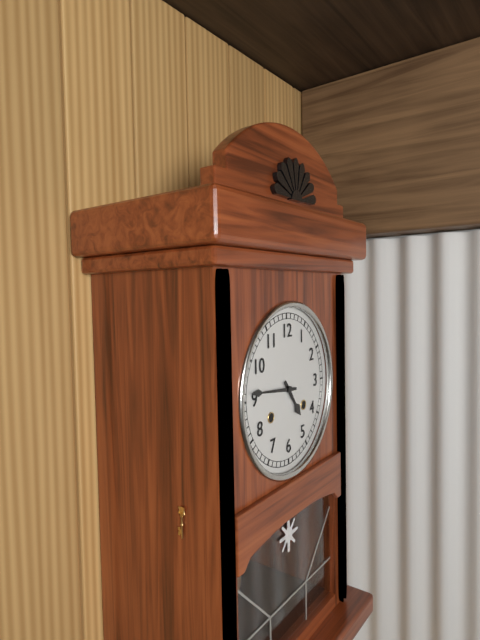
4h46
